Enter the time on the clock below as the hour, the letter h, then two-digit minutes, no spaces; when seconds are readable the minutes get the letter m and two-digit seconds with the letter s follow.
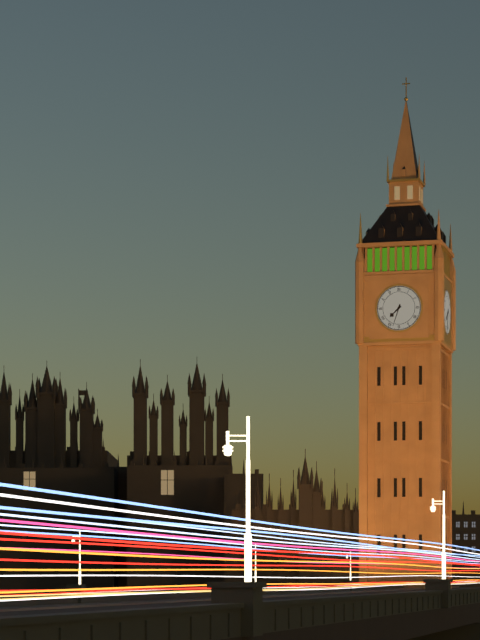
7h33
